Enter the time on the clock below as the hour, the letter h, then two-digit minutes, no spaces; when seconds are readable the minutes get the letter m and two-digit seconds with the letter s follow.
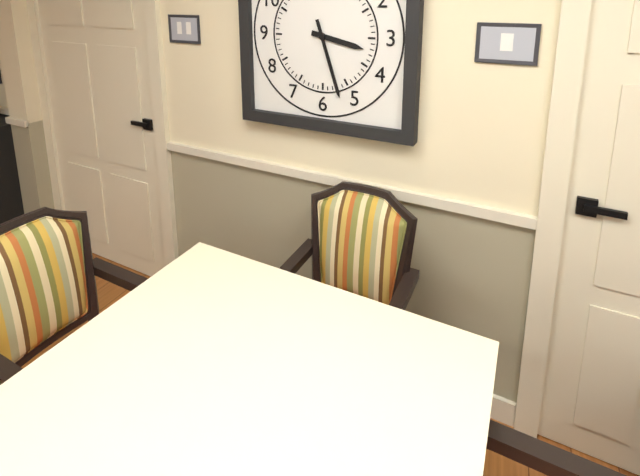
3h27
